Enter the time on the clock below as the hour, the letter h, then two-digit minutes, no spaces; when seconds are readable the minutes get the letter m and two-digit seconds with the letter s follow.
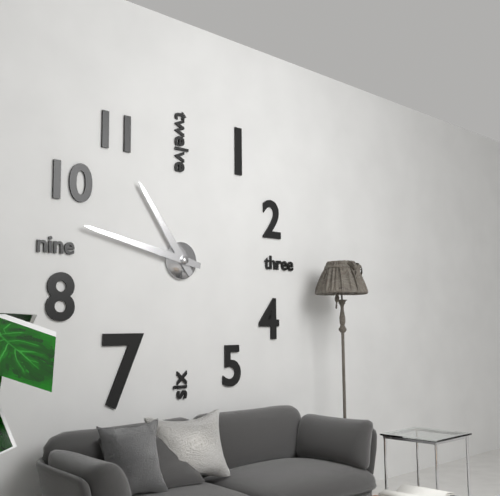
10h47
